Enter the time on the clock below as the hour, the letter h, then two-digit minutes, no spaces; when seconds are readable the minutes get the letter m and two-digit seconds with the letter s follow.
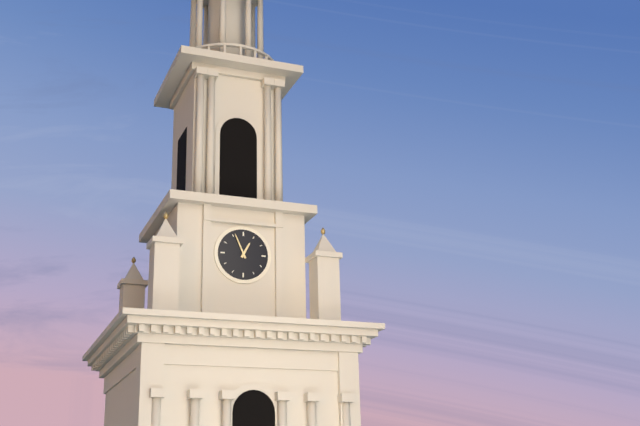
12h56
